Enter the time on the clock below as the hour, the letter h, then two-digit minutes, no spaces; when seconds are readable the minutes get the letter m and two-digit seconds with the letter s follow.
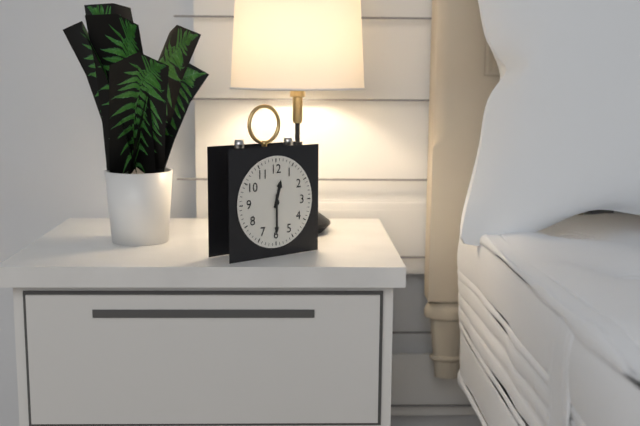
12h30
